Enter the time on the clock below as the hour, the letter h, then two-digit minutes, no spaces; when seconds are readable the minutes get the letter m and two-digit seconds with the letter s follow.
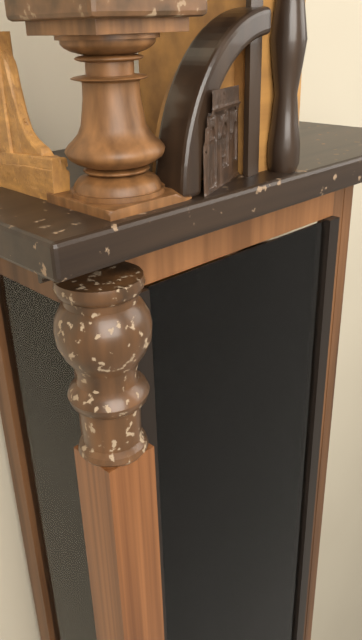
4h40
